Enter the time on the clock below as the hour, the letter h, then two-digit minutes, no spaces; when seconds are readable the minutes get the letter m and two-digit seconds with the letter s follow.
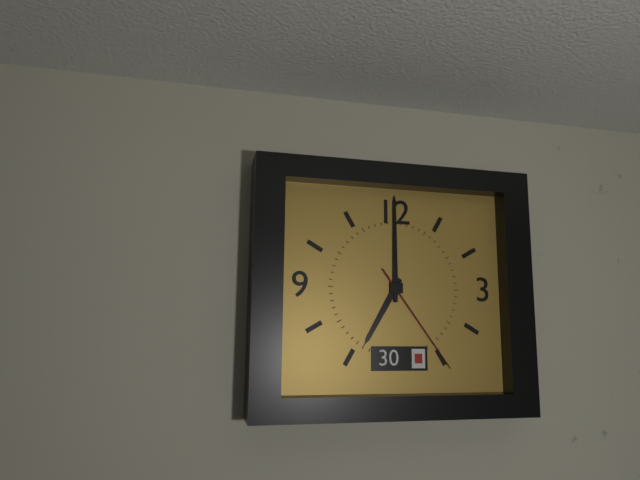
7h00m24s
